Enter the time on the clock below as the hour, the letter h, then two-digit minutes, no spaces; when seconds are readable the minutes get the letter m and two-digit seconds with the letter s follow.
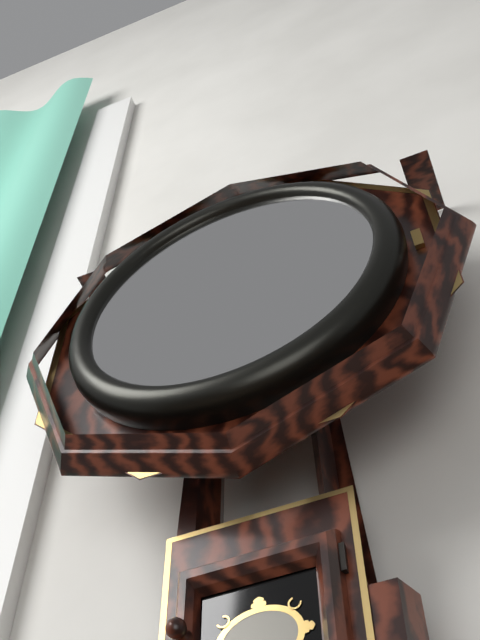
8h09
